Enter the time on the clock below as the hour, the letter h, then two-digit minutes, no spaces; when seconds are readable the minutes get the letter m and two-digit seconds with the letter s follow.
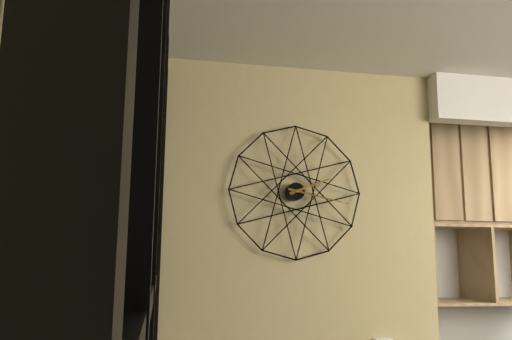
2h17
